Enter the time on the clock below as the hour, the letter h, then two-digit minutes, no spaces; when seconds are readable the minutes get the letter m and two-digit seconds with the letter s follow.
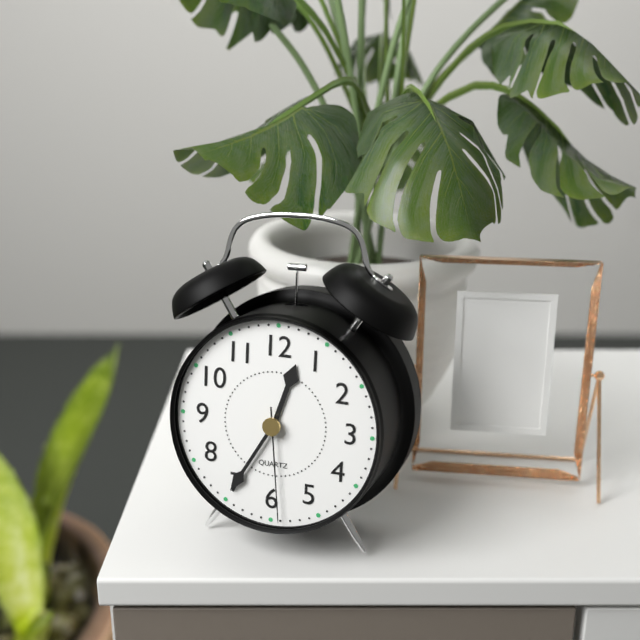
12h35m29s
